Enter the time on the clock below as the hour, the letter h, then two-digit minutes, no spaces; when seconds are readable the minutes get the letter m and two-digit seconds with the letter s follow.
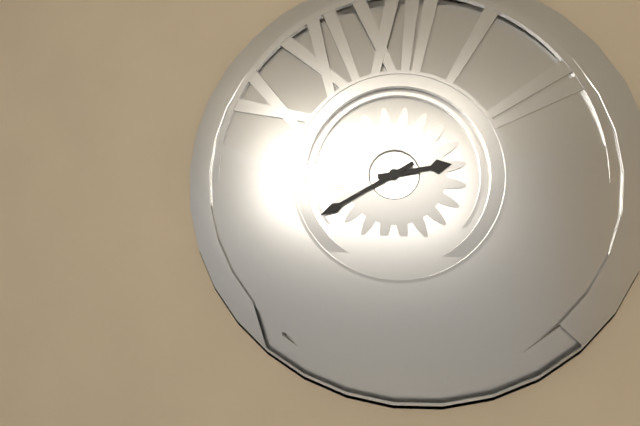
2h40
